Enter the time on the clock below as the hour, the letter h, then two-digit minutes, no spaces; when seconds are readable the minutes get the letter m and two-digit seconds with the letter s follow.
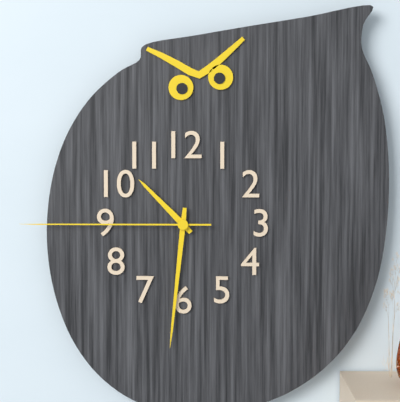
10h31m45s
